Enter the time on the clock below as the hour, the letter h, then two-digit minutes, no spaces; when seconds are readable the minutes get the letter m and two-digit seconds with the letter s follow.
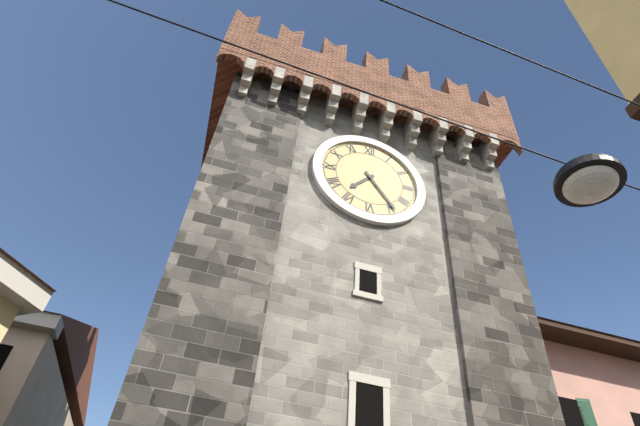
7h24
